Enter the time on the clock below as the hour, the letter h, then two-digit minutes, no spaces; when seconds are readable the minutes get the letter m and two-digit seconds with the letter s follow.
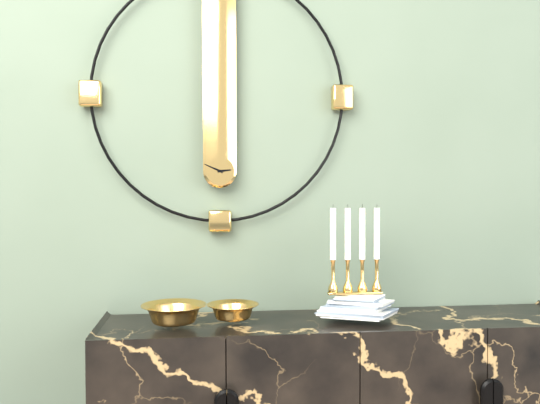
2h49
